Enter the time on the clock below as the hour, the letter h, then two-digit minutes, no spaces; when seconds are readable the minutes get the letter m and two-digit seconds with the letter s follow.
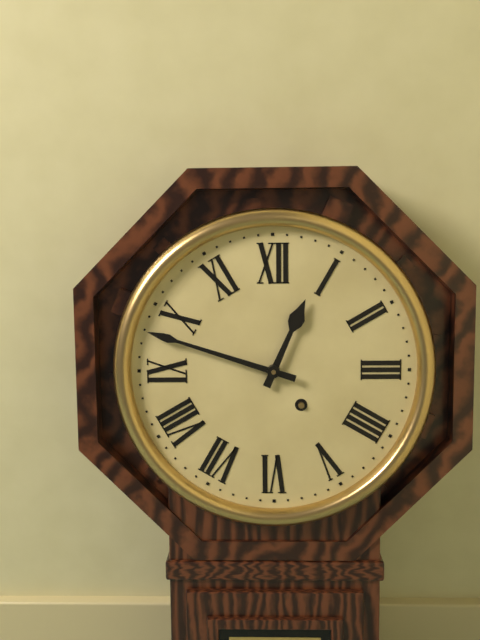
12h48
